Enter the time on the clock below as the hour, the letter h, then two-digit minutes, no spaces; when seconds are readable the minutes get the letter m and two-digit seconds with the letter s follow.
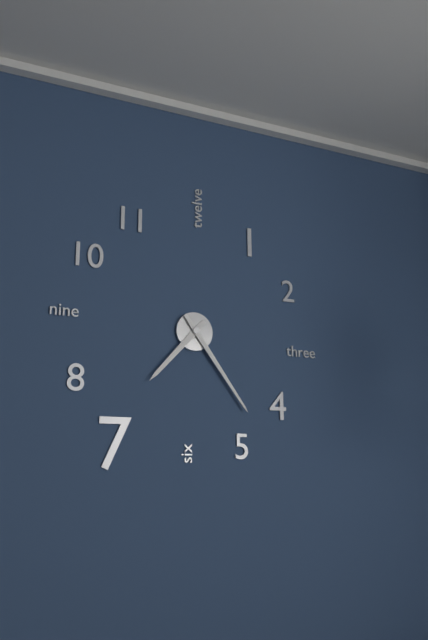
7h24
